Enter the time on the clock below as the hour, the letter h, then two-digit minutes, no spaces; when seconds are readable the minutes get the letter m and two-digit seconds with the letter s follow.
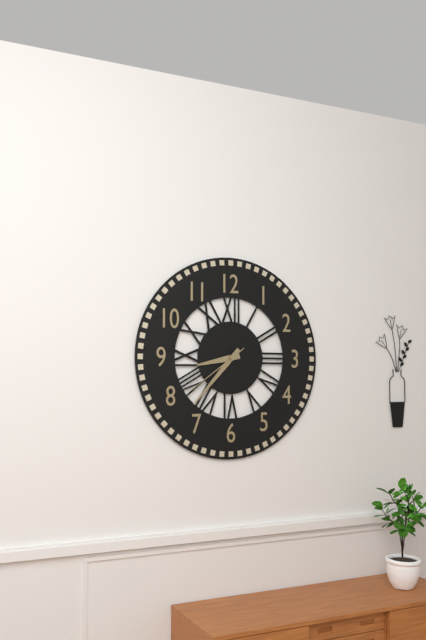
8h37m39s
